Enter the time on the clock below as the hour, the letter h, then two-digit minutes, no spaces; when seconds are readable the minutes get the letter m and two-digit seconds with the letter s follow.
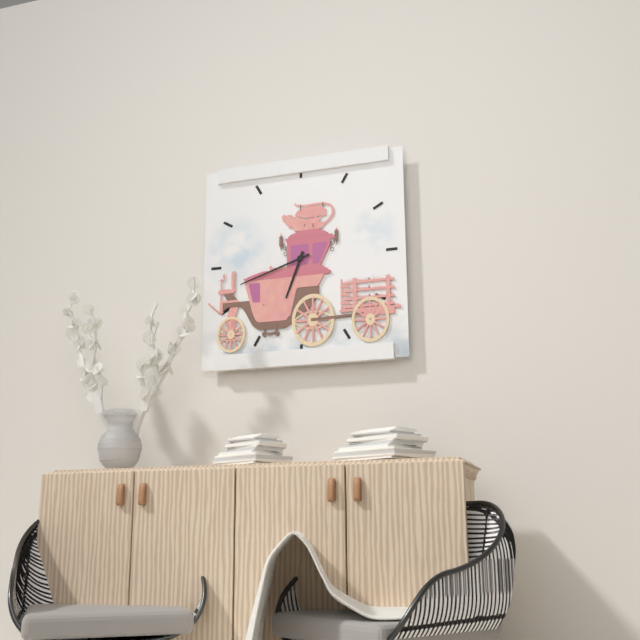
6h42
